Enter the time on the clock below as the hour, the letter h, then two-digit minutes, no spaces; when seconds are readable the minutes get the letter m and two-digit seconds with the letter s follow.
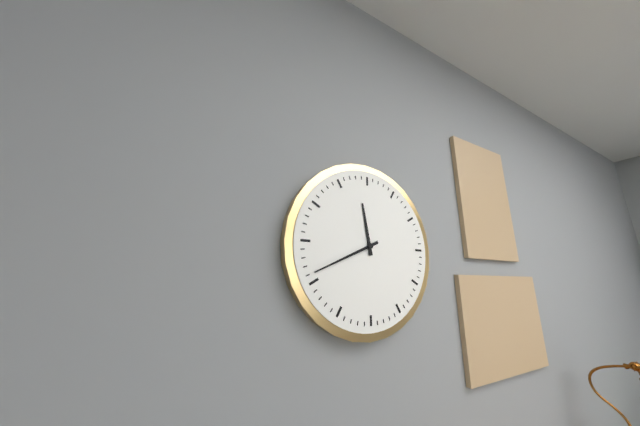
11h41
